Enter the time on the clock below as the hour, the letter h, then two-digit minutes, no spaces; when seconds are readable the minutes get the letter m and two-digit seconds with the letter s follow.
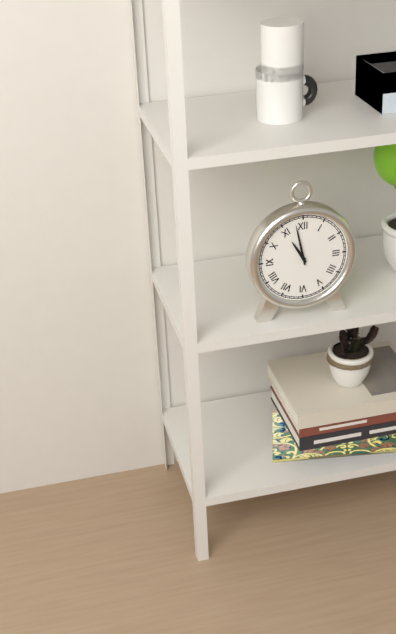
10h58
